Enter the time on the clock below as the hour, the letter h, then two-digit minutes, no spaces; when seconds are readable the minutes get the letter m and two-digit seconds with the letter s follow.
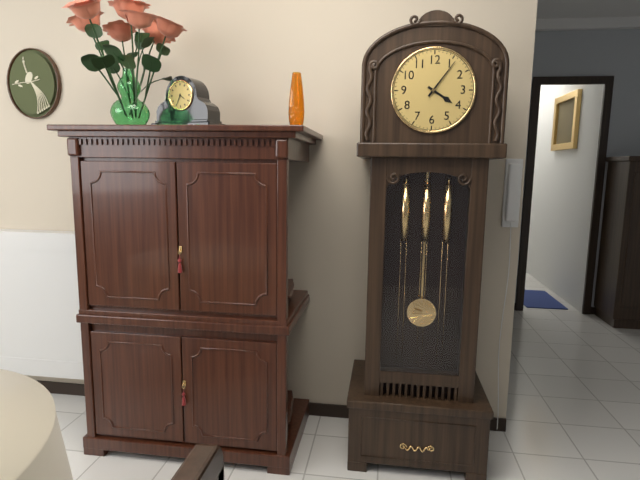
4h06
